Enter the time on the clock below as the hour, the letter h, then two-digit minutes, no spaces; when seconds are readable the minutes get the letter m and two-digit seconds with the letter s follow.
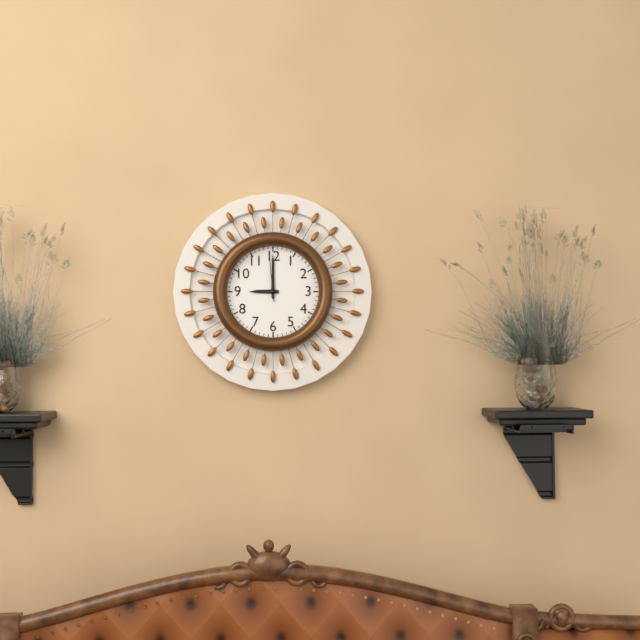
9h00m59s
